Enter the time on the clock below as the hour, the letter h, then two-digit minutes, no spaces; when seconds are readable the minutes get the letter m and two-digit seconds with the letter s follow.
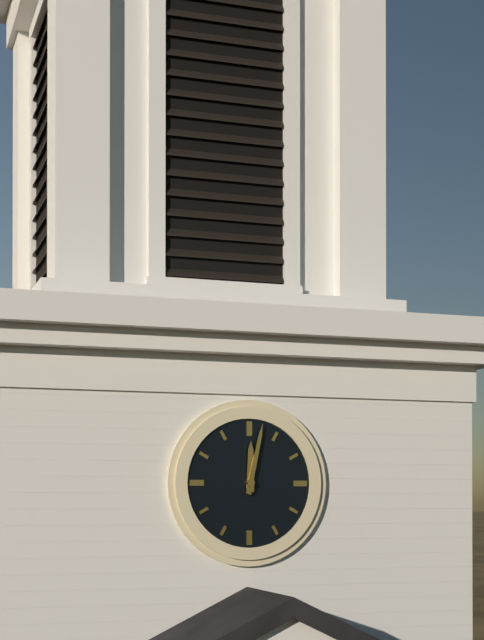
12h02
